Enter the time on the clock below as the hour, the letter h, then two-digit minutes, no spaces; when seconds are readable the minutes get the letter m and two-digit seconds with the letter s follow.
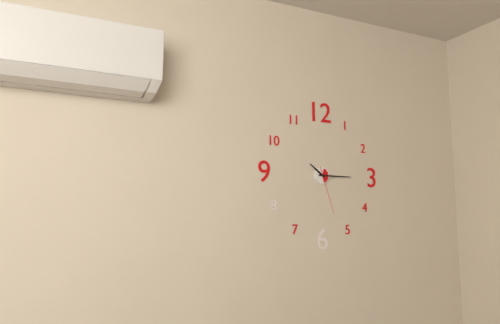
10h15m27s
